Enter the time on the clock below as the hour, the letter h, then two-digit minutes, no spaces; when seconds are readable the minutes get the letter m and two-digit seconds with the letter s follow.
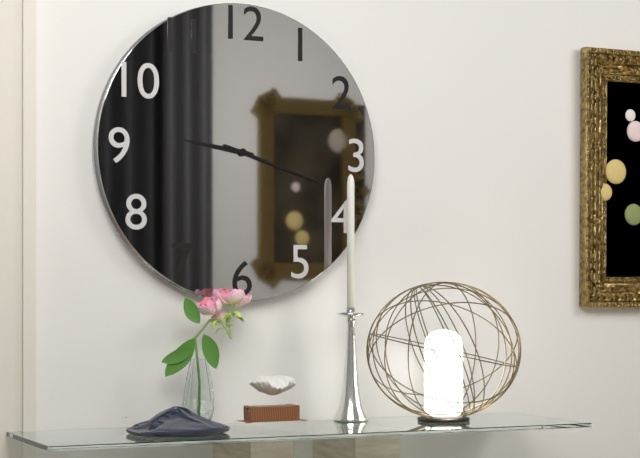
9h18
